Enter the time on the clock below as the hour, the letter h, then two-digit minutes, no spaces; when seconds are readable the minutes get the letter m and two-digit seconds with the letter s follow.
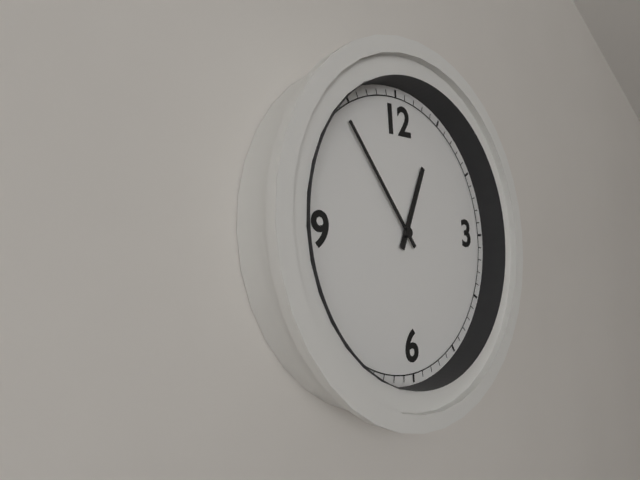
12h54
